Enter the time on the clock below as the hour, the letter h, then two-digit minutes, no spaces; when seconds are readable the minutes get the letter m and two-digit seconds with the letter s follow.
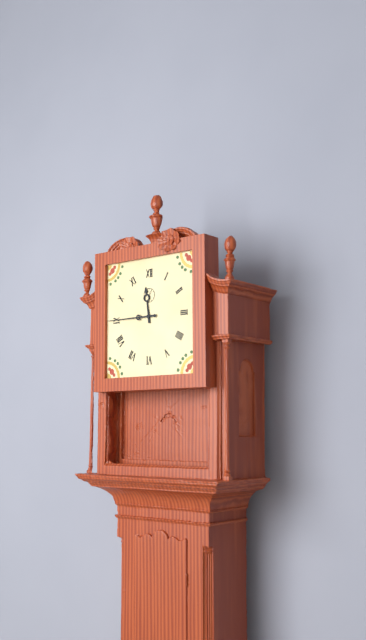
11h45
